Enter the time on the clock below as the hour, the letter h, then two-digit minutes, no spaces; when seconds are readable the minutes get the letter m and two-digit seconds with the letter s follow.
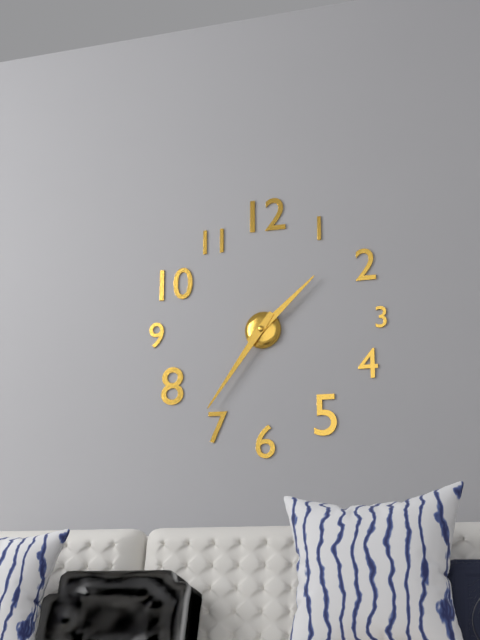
1h36
